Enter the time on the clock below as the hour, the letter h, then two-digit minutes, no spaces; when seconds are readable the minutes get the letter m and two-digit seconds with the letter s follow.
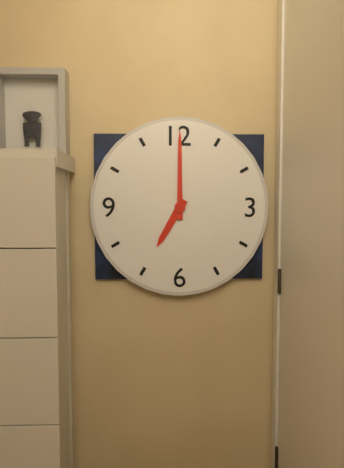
7h00
